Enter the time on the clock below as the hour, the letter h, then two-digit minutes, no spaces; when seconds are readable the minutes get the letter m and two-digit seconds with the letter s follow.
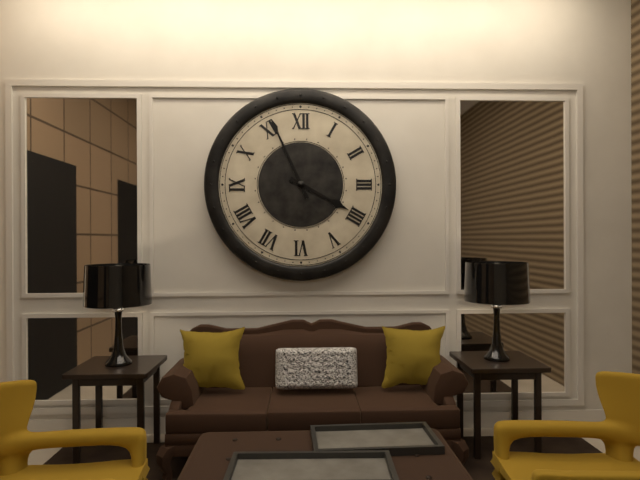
3h56
